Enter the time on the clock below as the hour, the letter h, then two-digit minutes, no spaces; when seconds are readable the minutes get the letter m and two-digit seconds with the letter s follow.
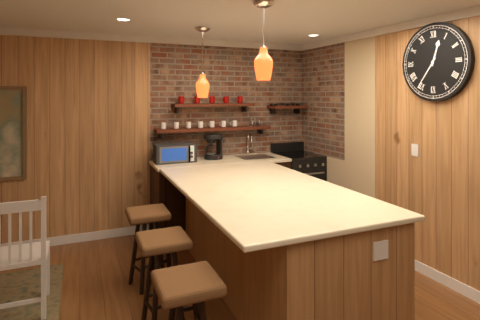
12h36
